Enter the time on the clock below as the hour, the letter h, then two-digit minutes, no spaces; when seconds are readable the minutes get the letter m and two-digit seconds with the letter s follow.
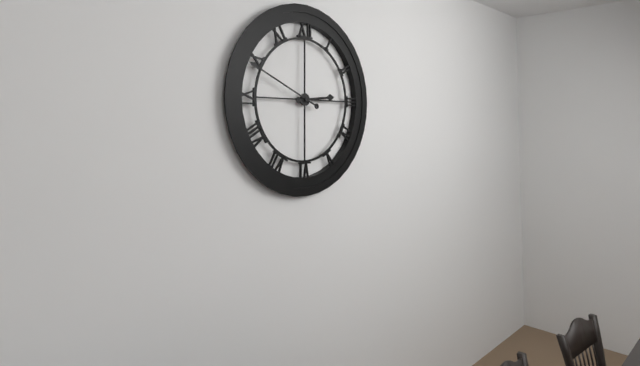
2h49
